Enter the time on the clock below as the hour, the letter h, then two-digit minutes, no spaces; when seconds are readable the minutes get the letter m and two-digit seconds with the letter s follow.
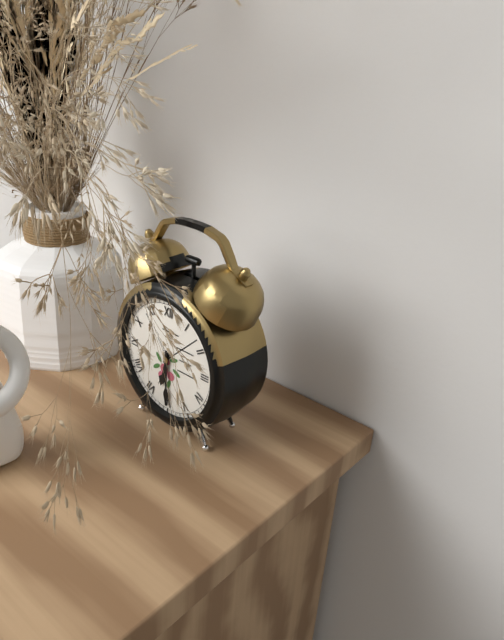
6h30
